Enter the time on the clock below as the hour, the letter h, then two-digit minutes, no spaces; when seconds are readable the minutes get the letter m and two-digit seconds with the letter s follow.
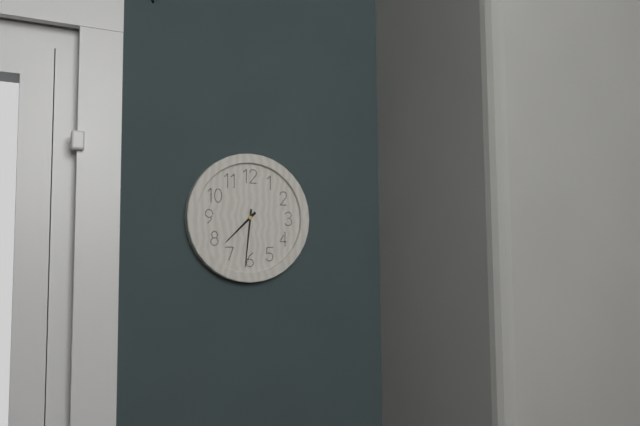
7h31
